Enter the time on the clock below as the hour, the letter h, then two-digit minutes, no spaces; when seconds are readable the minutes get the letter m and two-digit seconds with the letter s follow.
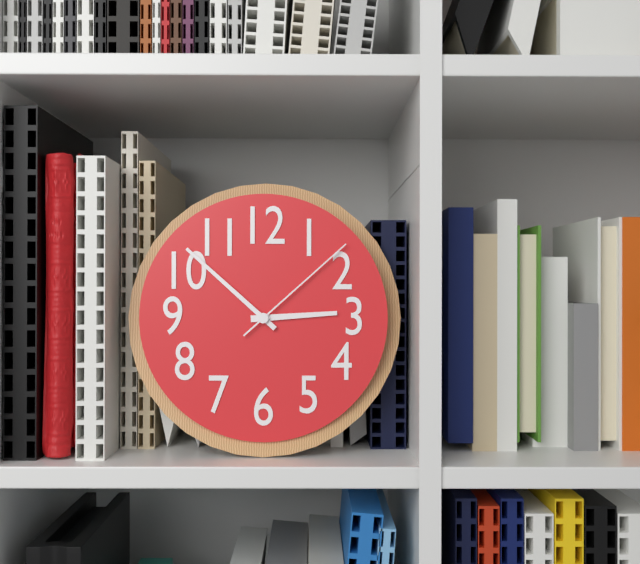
2h52m08s
